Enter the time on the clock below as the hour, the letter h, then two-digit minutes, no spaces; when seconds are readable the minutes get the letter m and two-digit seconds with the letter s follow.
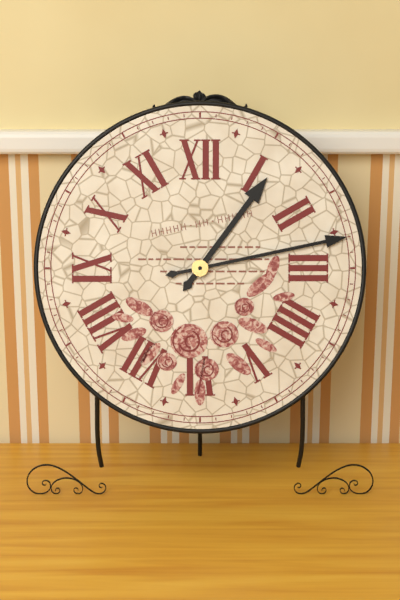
1h13
